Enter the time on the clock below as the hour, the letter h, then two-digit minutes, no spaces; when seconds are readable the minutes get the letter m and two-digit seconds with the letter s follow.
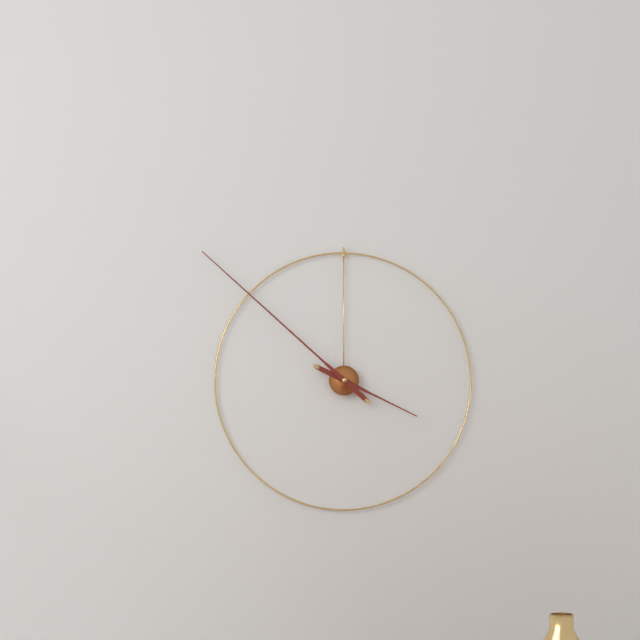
3h52
